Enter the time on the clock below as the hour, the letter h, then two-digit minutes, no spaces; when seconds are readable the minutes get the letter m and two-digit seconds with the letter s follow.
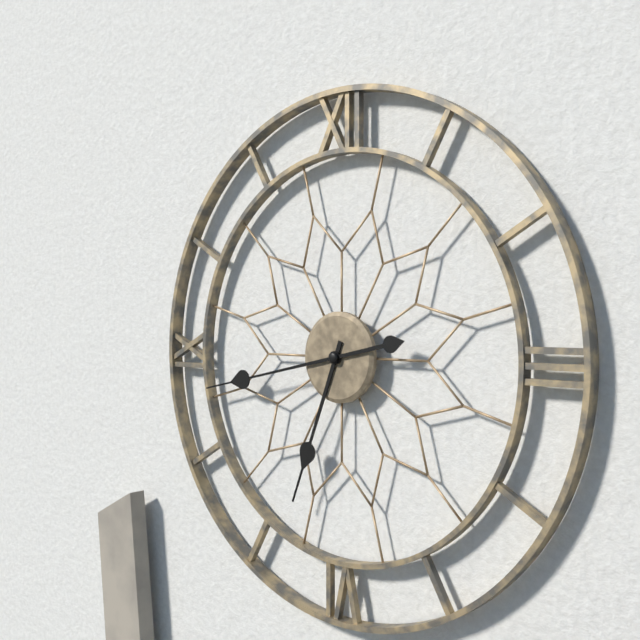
6h43
